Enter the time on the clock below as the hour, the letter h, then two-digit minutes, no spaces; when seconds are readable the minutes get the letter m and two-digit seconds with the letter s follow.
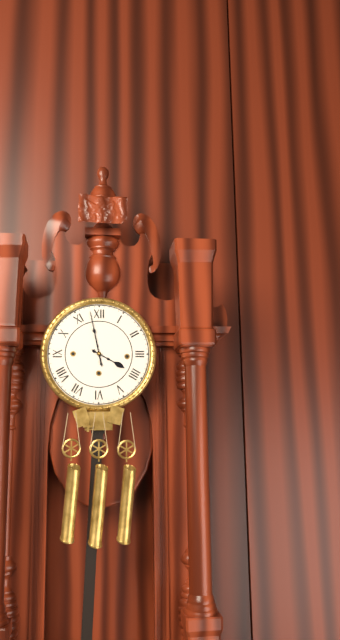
3h58
